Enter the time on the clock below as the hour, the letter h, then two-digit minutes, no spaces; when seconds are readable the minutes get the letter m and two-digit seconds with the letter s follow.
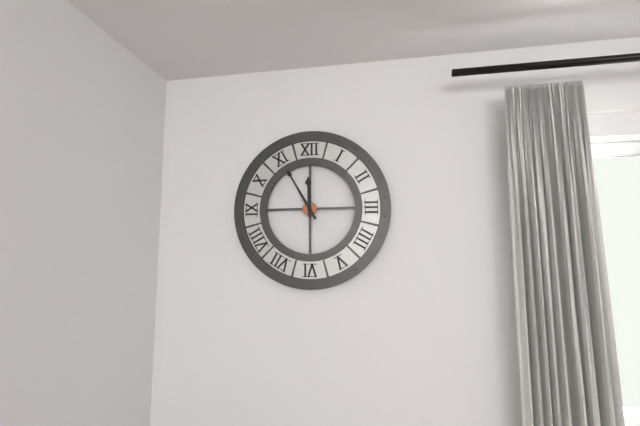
11h55
